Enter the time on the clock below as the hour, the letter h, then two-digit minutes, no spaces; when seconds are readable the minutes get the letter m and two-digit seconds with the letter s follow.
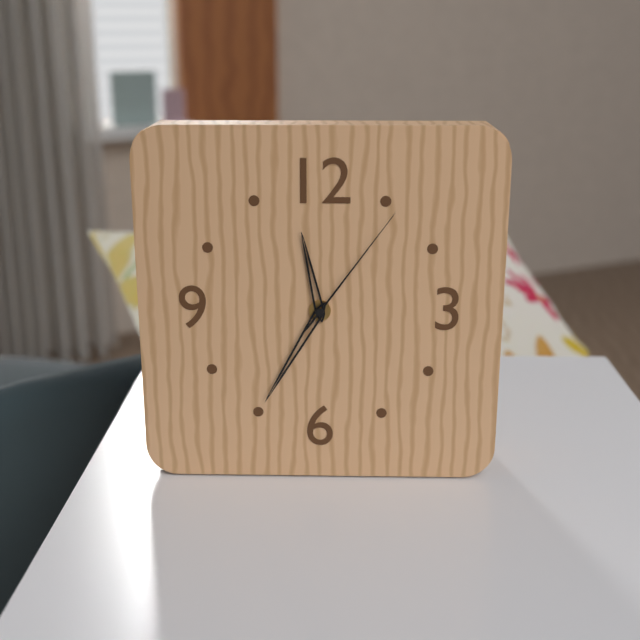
11h35m06s
